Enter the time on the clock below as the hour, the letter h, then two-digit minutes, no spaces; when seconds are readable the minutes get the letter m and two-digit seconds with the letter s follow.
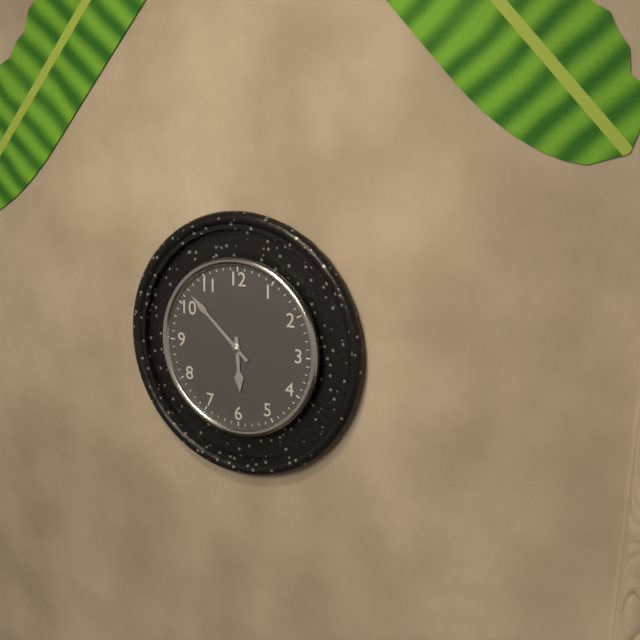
5h52
